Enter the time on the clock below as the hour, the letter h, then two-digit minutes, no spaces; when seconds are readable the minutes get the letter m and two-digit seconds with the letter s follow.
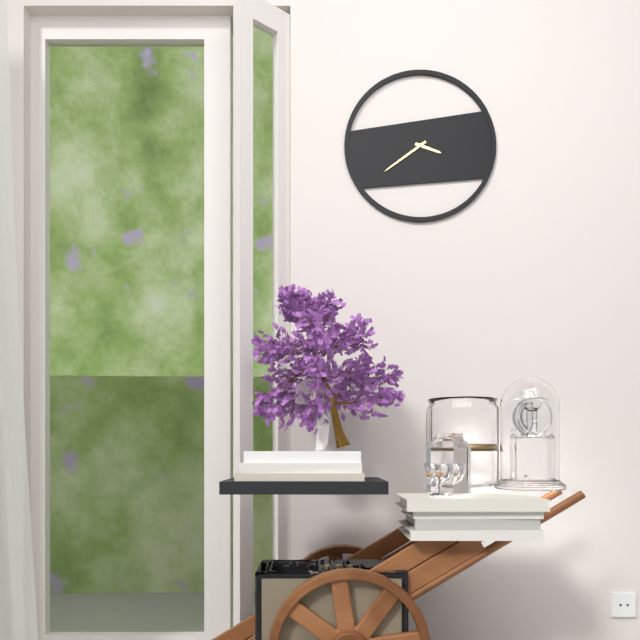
3h39
